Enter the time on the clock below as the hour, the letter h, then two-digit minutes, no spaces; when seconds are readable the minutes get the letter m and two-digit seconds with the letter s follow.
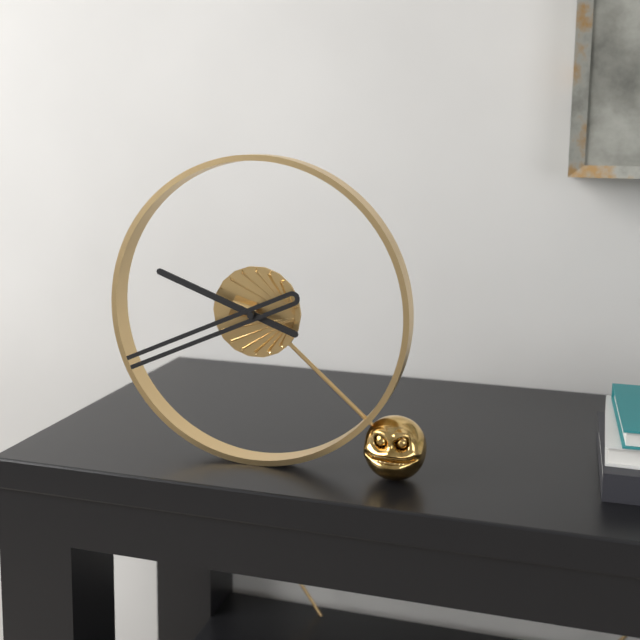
9h41
